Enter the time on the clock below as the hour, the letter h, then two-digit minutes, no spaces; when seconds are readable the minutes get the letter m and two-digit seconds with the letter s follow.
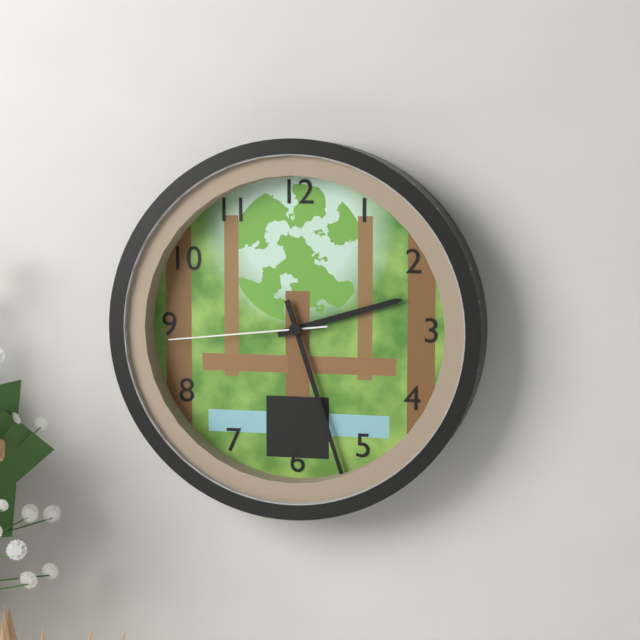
2h27m44s
